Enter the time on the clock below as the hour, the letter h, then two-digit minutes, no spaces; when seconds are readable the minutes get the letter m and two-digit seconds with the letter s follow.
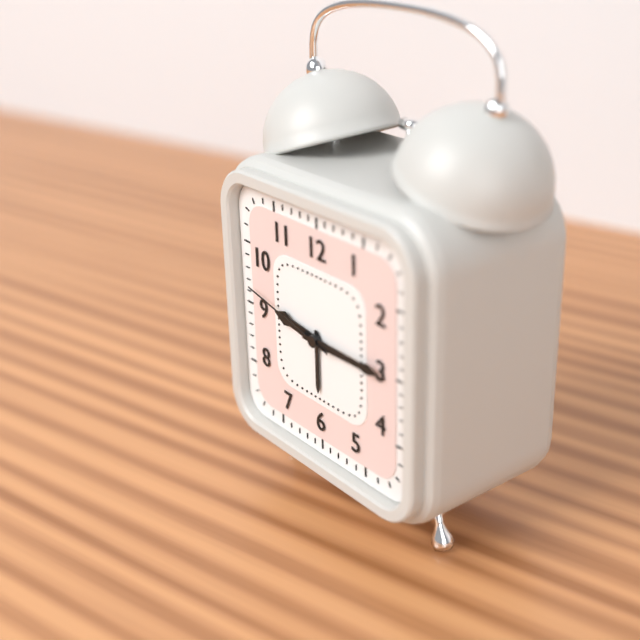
9h15m47s
